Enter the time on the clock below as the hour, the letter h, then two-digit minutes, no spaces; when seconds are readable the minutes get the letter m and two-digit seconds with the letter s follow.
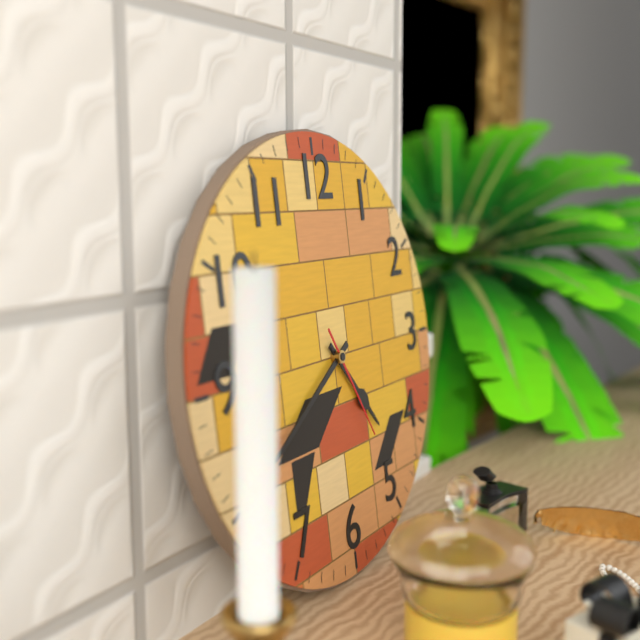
4h40m25s
